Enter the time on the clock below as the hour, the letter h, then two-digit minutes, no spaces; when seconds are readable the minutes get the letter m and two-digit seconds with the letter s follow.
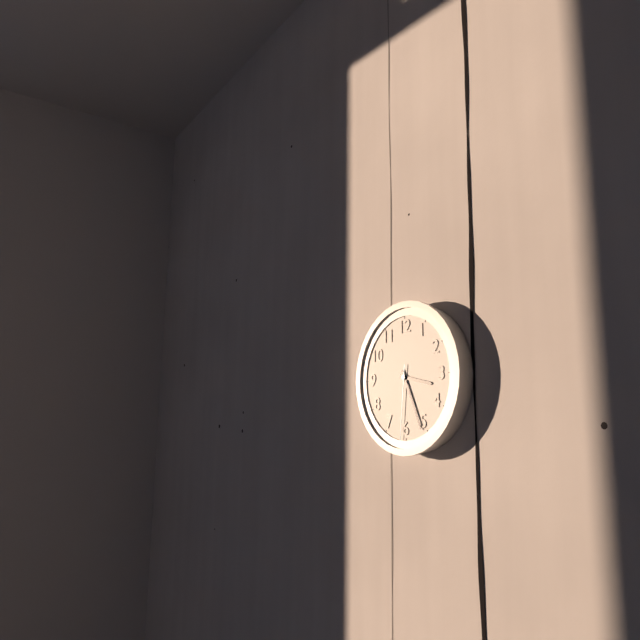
3h26m31s
